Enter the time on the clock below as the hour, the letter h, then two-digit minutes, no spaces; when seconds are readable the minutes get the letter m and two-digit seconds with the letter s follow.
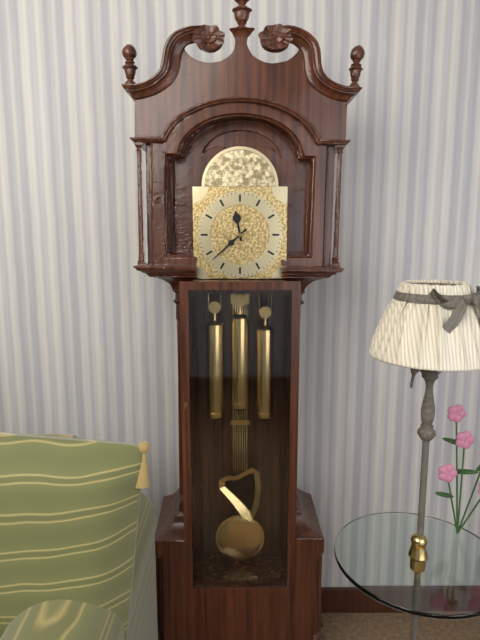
11h38
